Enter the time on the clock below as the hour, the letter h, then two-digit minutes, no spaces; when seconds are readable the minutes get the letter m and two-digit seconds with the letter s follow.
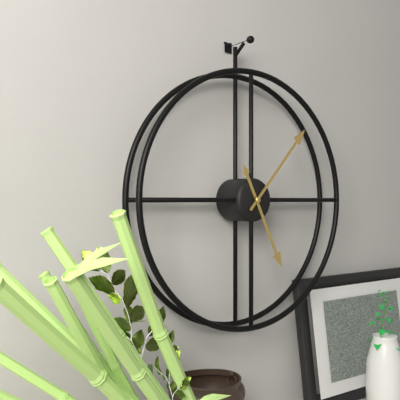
5h07
